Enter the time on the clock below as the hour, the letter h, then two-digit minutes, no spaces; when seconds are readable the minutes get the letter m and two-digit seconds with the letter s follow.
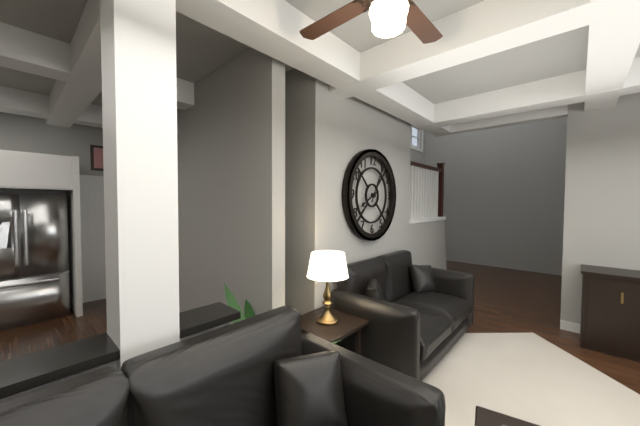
8h05
